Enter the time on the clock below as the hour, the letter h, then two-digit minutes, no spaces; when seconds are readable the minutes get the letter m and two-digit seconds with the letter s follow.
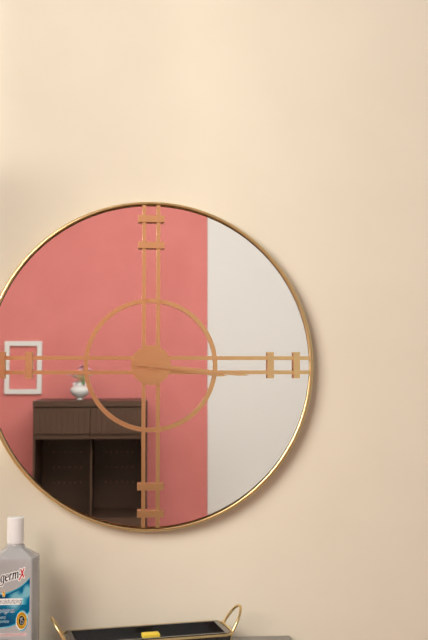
3h16
